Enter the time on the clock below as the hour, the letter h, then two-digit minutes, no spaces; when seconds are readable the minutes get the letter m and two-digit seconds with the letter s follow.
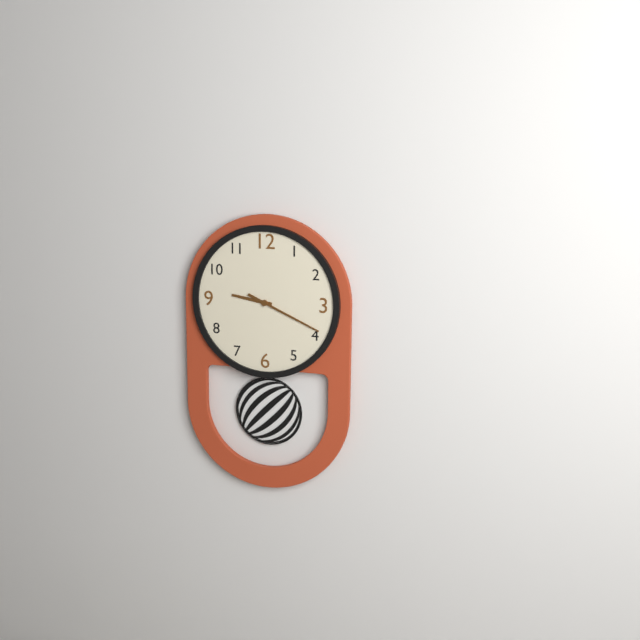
9h19
